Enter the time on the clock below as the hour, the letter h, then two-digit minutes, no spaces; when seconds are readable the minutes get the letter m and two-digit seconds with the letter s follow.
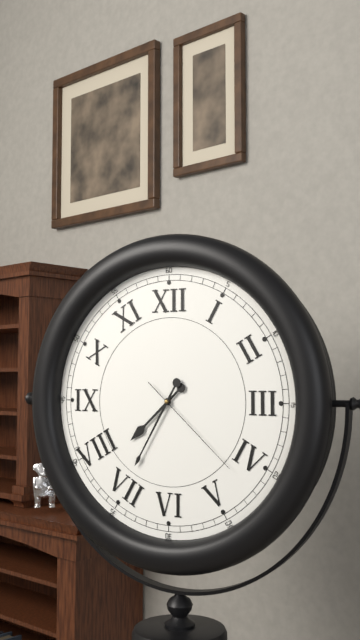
7h35m22s
